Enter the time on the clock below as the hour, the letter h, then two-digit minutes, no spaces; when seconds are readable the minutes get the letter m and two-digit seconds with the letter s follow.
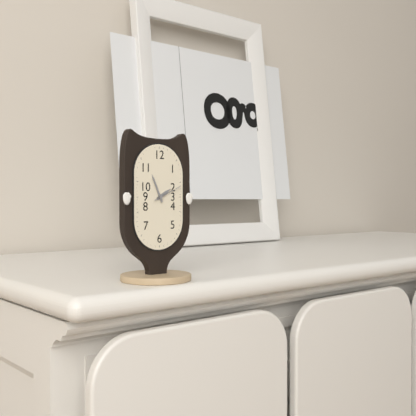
1h56
